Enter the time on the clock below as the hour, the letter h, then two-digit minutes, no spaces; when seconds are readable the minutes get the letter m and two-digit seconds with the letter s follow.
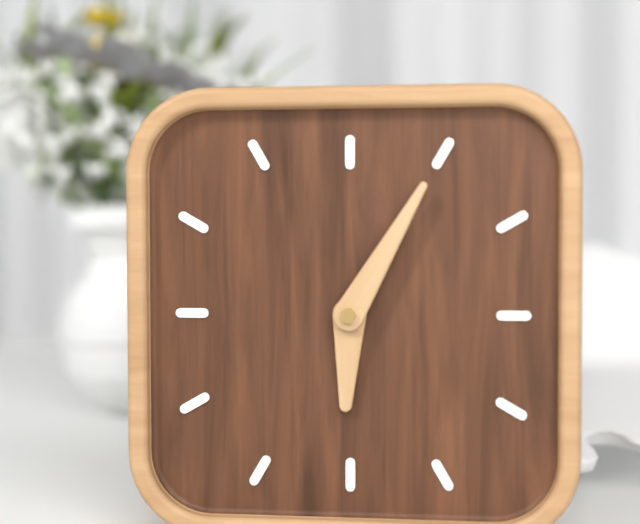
6h05
